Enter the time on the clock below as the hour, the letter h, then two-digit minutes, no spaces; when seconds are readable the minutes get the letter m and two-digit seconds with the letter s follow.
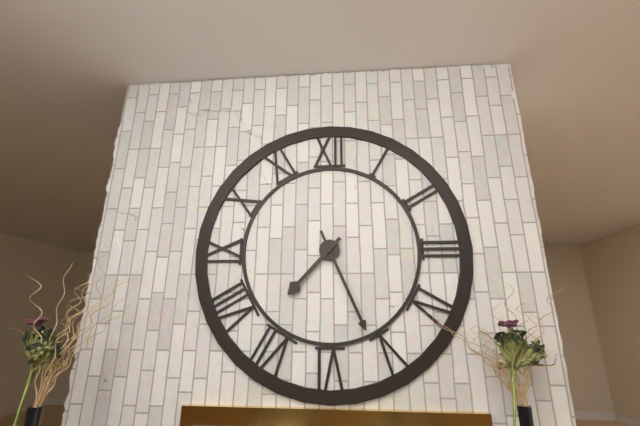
7h26
